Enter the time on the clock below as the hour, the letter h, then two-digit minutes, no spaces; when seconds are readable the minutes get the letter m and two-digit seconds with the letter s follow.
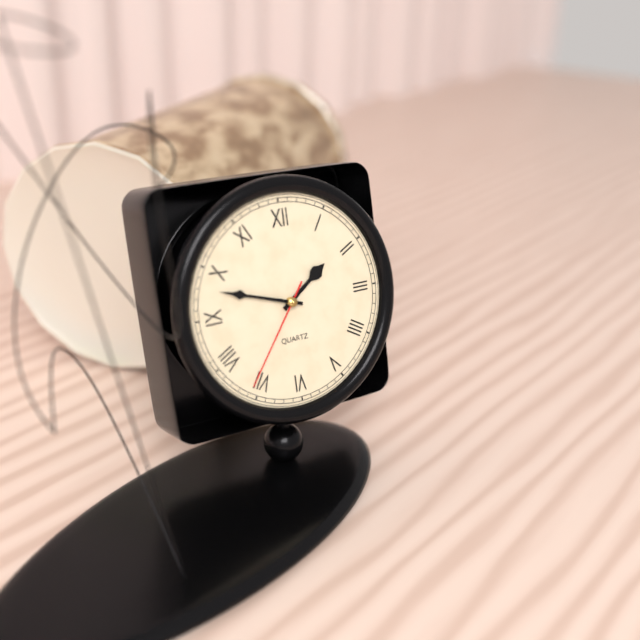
1h48m36s
